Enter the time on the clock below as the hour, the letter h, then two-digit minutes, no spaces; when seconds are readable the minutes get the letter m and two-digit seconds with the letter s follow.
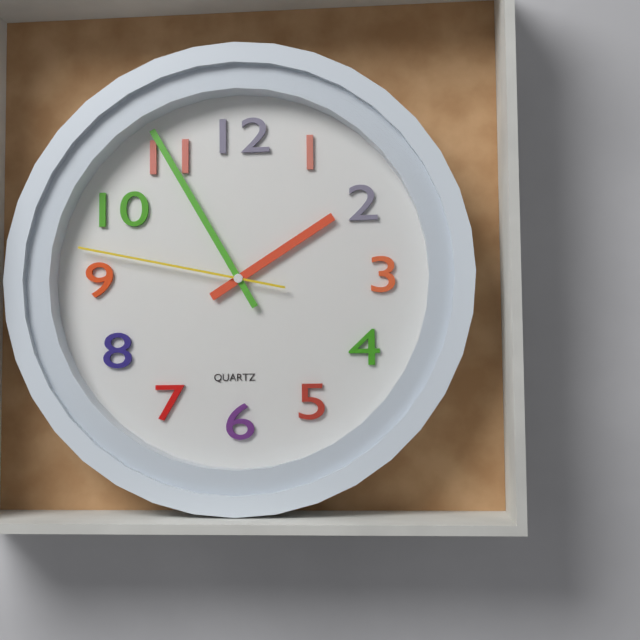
1h55m47s
